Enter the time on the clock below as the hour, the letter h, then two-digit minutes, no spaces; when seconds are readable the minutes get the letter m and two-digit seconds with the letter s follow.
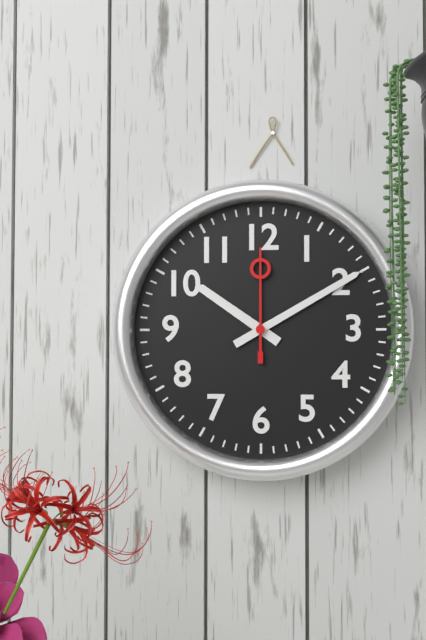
10h10m00s
